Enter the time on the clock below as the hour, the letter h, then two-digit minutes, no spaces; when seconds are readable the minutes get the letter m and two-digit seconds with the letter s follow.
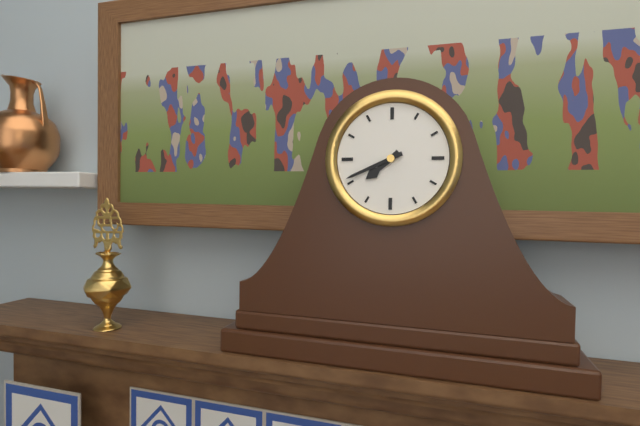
7h41
